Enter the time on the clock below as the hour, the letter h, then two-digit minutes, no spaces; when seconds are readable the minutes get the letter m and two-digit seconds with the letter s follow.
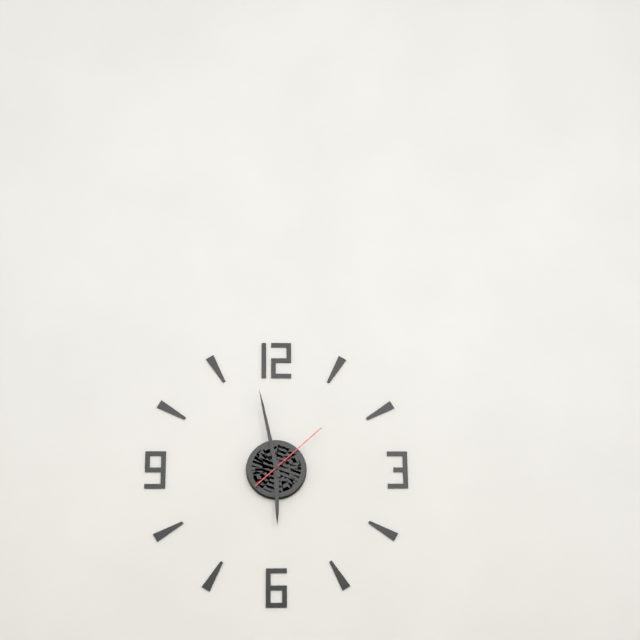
5h58m08s
